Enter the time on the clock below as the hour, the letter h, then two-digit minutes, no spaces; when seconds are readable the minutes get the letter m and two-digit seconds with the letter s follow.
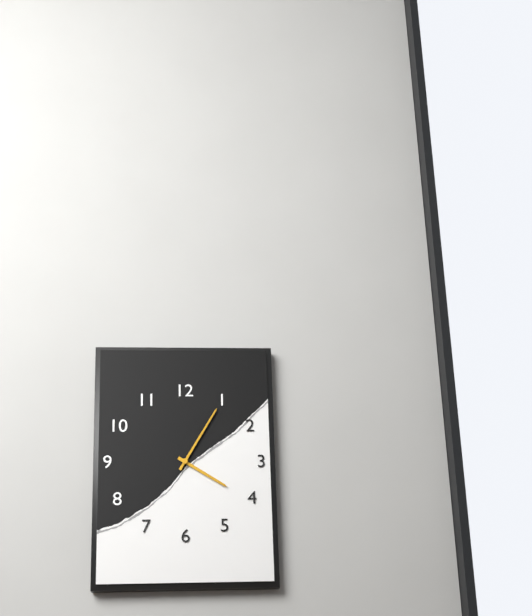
4h05
